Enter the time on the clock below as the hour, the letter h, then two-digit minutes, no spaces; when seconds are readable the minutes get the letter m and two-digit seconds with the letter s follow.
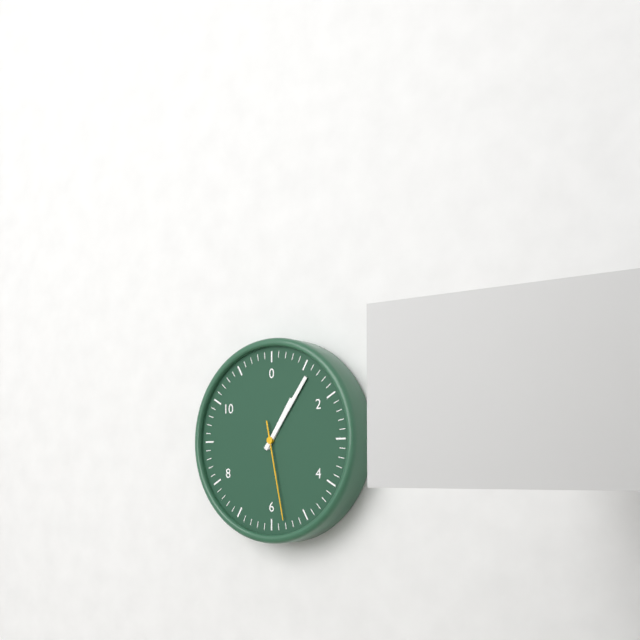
1h06m28s
